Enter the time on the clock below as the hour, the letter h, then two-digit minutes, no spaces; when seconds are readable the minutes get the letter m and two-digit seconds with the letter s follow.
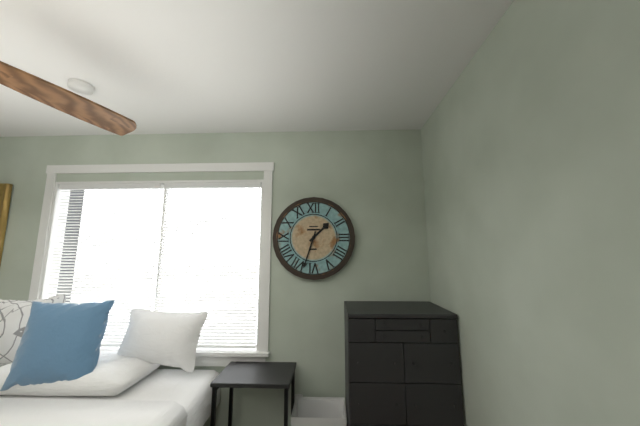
1h33
